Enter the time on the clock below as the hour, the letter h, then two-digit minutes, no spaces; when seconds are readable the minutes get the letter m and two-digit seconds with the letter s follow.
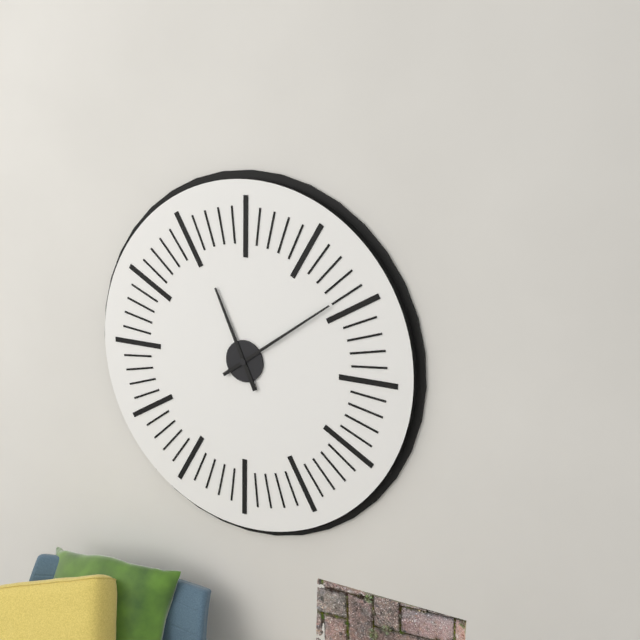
11h09
